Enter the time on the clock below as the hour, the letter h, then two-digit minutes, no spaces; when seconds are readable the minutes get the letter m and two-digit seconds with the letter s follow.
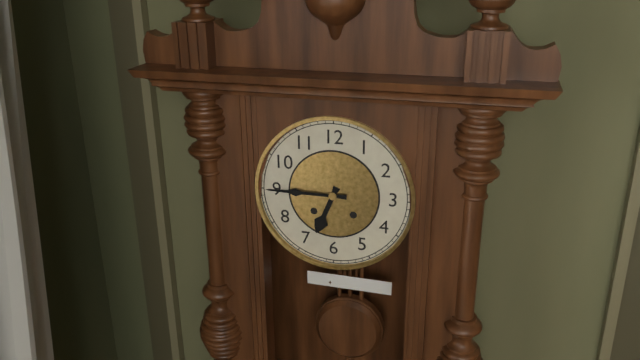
6h45
